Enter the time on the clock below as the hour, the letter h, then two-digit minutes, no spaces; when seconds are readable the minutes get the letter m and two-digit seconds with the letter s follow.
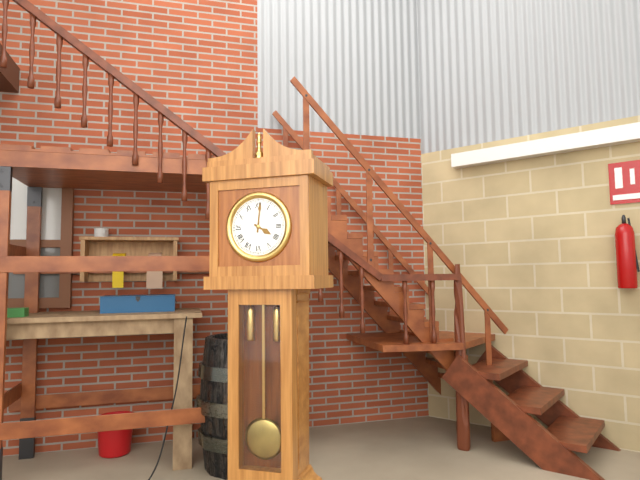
4h01
